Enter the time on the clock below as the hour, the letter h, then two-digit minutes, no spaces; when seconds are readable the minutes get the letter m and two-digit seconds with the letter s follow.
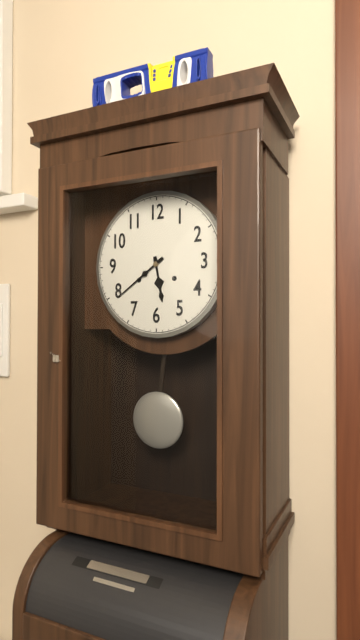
5h39
